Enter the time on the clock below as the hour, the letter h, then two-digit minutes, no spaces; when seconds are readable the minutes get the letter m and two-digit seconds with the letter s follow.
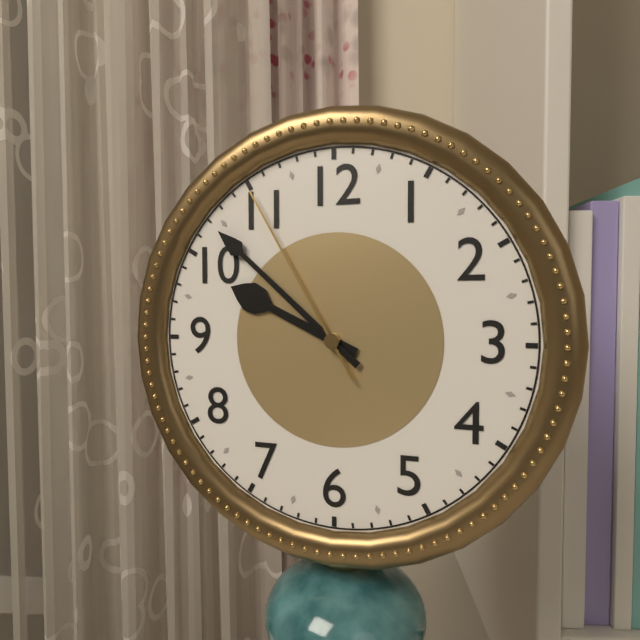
9h52m55s
